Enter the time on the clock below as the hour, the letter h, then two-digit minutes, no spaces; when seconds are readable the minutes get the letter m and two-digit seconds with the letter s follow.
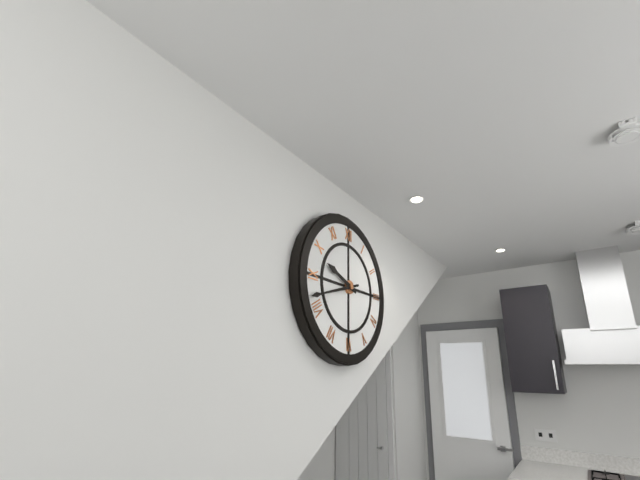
9h42
